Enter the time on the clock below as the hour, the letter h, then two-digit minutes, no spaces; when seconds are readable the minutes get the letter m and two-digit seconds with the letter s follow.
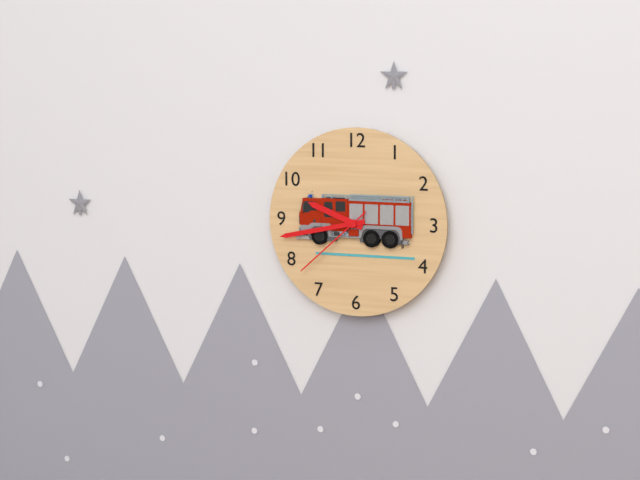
9h43m38s
